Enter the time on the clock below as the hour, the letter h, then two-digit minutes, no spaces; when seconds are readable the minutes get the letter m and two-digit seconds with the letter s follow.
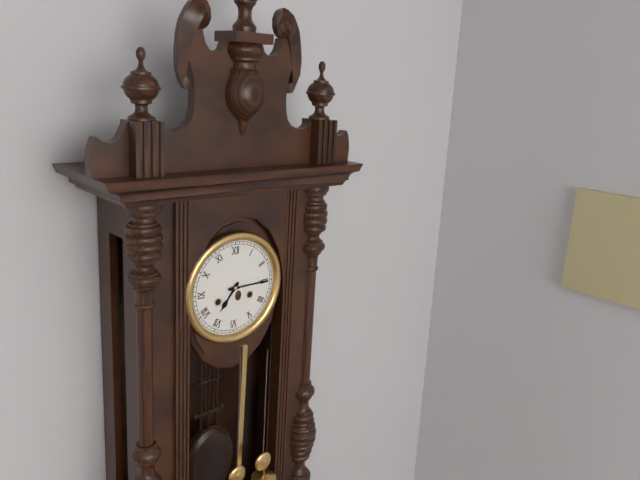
7h15
